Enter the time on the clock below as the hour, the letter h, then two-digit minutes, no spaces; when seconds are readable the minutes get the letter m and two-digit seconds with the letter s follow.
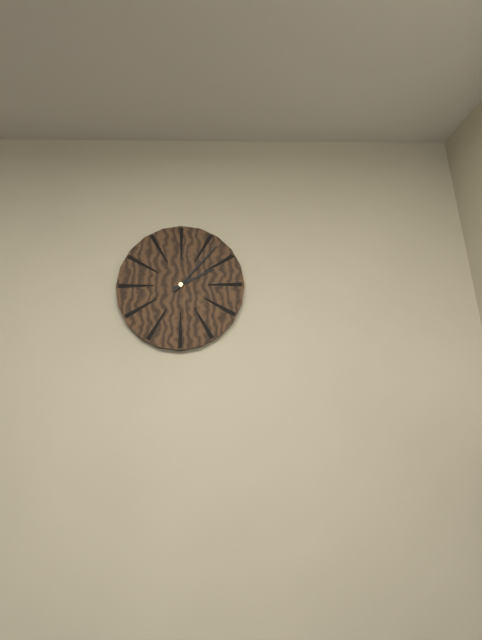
2h07
